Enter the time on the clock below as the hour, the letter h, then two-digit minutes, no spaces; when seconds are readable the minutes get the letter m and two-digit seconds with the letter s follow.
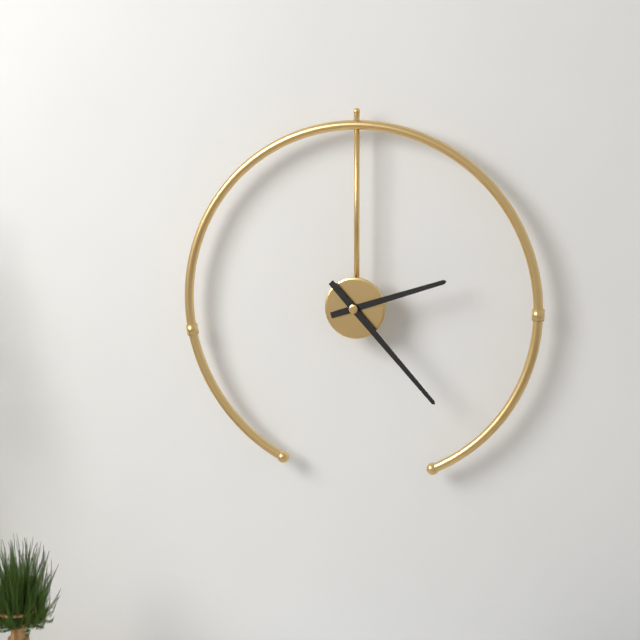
2h23
